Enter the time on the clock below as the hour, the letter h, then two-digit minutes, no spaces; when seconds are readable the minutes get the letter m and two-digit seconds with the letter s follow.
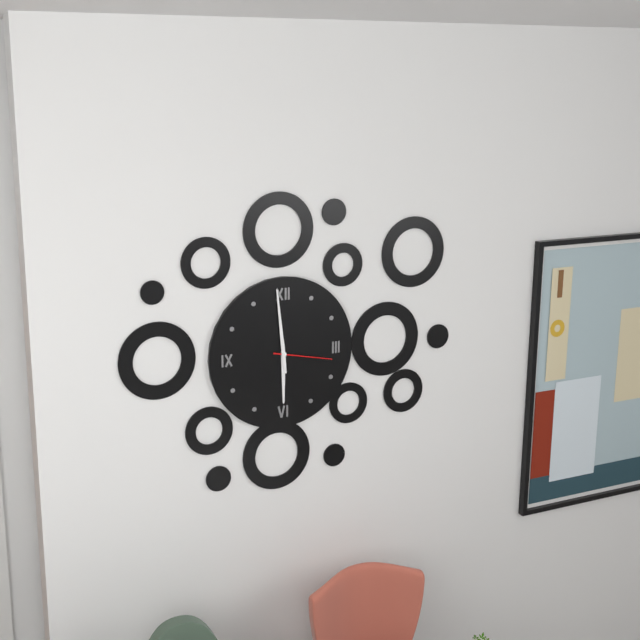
5h59m17s
